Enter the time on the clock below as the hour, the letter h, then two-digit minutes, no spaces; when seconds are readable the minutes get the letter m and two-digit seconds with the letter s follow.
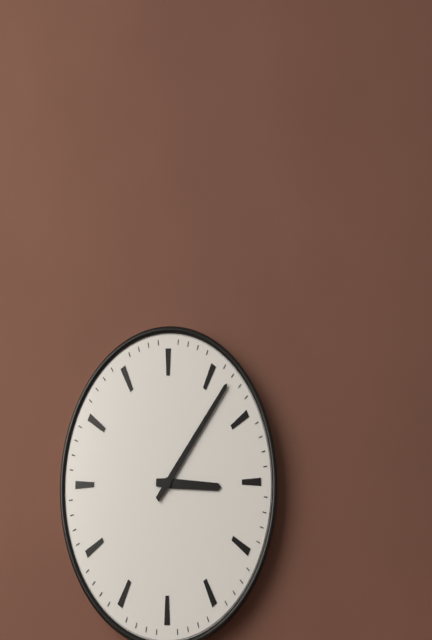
3h07
